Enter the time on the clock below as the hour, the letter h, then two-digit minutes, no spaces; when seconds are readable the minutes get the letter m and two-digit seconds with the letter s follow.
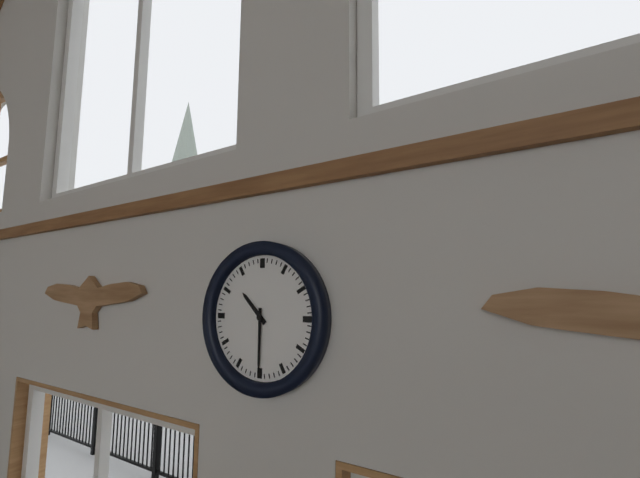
10h30
